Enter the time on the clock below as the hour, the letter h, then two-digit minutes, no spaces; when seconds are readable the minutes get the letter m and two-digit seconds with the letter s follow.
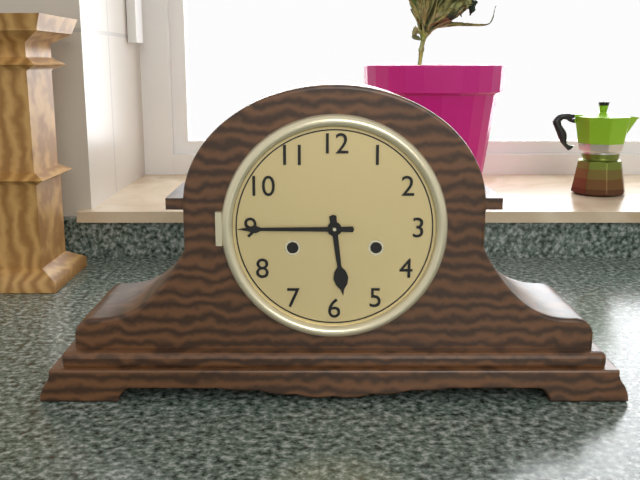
5h45
